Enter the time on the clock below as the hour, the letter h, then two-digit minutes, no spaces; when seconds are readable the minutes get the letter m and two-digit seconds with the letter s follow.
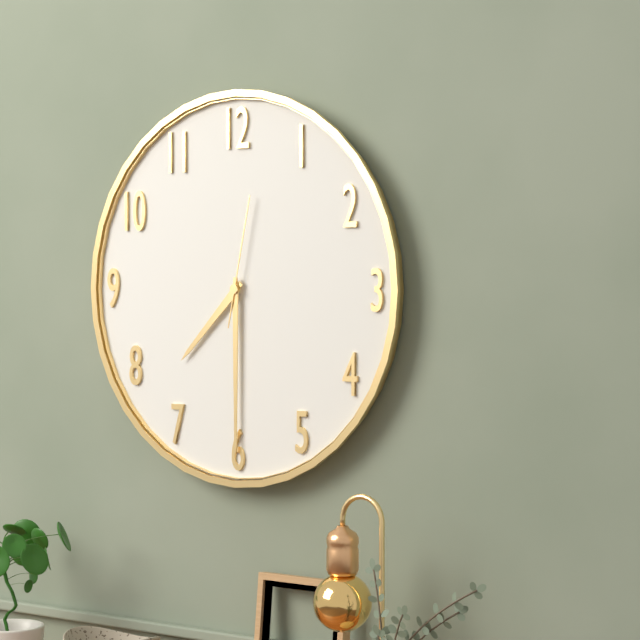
7h30m02s
